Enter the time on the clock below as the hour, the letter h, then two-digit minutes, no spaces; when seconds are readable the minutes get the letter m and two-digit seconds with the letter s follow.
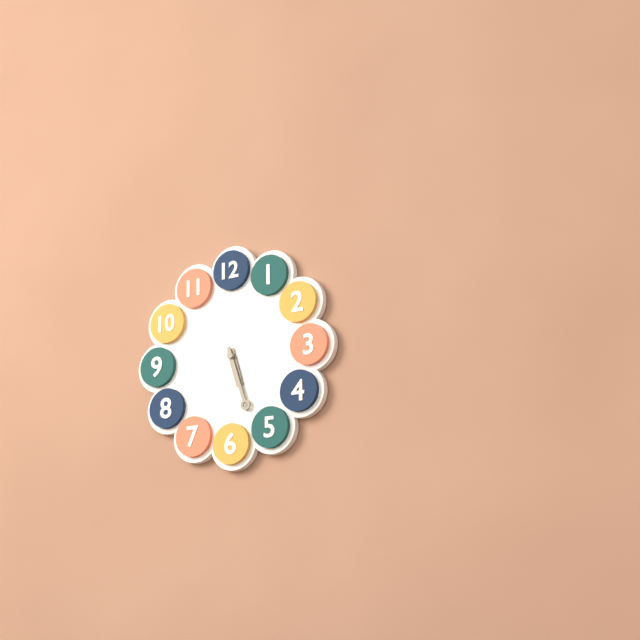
5h27
